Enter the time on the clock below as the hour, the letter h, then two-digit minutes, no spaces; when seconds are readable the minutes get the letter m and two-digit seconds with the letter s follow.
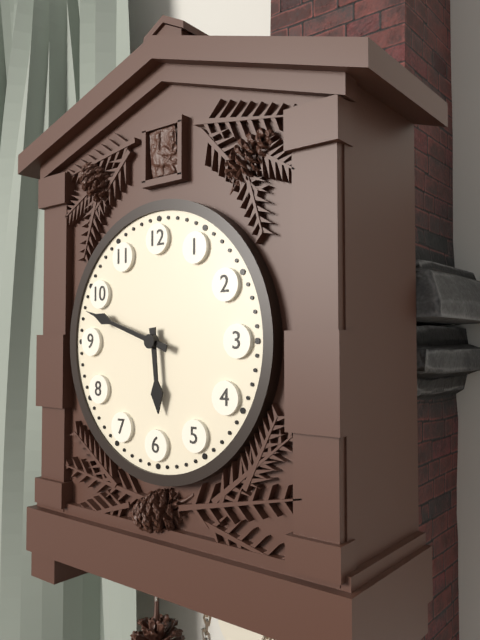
5h48
